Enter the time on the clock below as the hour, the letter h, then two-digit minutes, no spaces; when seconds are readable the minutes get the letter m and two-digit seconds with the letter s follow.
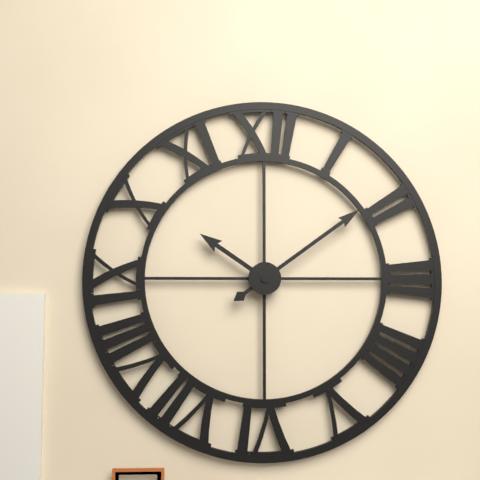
10h09
